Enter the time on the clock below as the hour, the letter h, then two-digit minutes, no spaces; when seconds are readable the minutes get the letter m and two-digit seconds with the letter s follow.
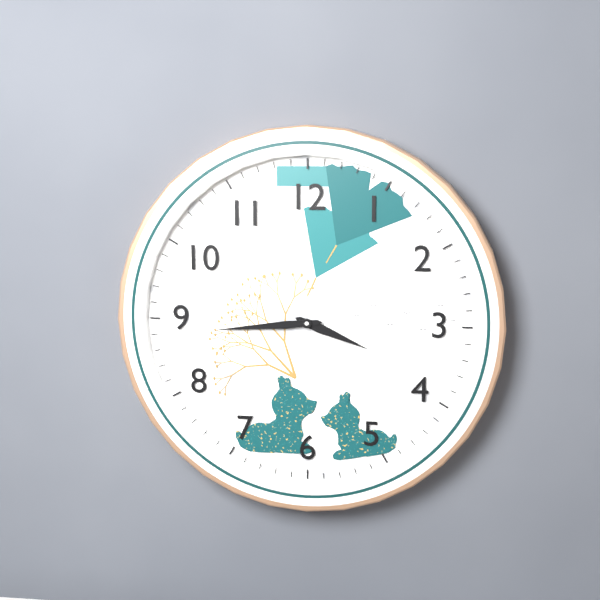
3h44
